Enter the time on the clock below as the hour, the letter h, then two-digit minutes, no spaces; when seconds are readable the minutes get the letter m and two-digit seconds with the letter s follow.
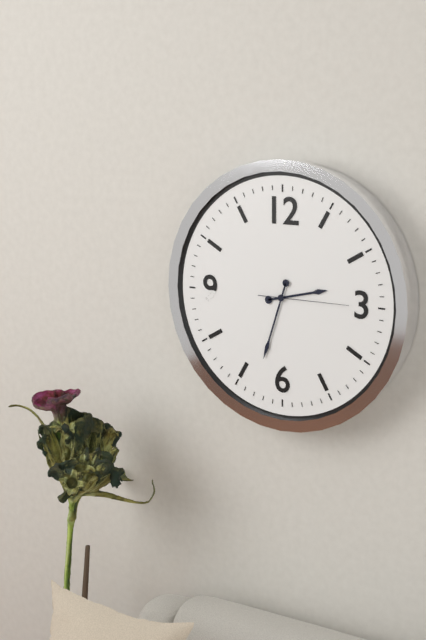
2h33m15s
